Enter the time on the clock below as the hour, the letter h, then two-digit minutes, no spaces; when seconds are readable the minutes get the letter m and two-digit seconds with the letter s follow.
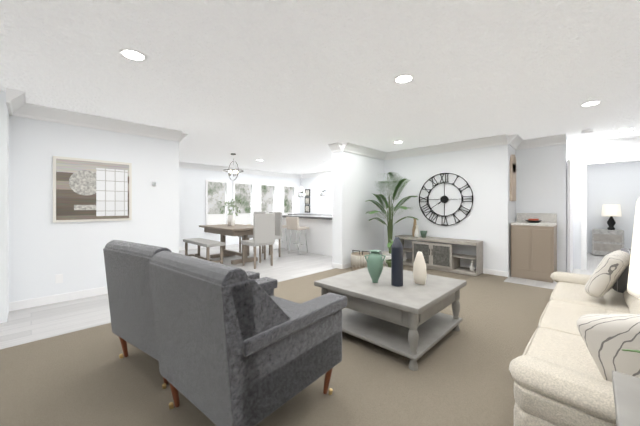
7h39
